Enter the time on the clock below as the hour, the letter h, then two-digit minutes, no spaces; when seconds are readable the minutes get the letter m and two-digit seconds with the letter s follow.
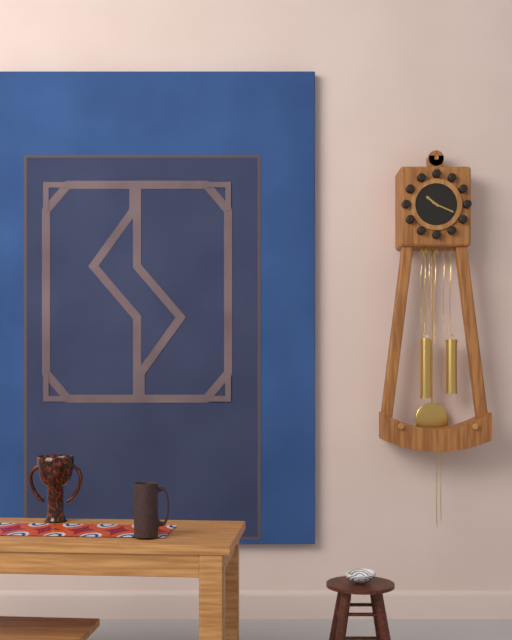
10h19
